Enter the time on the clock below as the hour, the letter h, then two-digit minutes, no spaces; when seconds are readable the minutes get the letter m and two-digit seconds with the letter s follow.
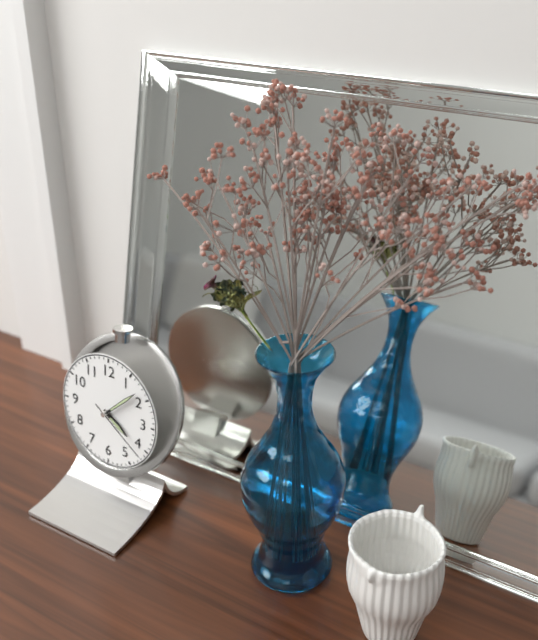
4h08m21s
